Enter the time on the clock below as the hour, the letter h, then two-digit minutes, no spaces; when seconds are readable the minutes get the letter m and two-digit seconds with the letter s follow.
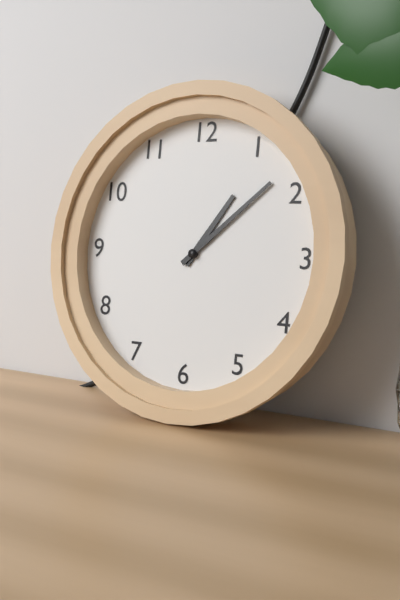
1h08
